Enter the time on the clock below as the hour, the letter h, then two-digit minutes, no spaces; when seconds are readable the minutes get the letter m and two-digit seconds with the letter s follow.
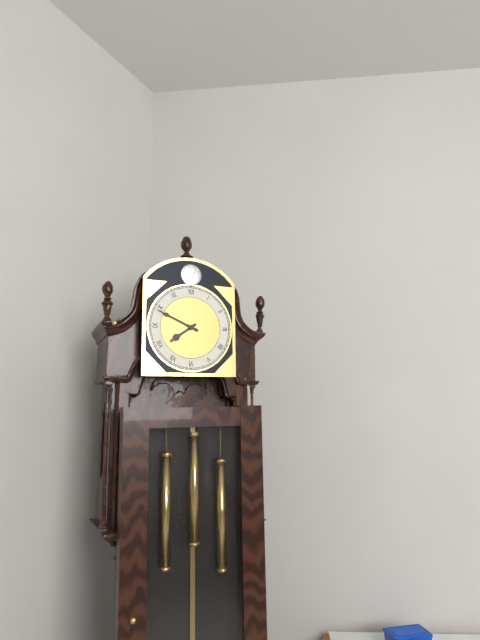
7h49
